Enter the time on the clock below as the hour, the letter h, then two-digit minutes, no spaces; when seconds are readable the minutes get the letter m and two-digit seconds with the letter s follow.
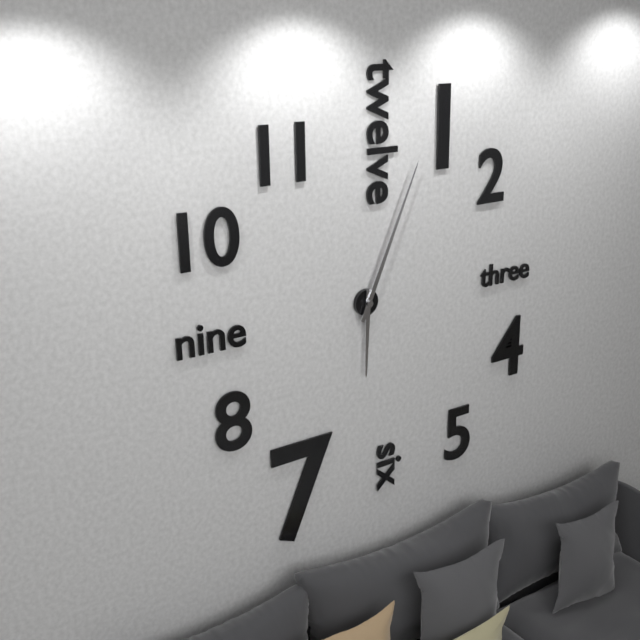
6h04
